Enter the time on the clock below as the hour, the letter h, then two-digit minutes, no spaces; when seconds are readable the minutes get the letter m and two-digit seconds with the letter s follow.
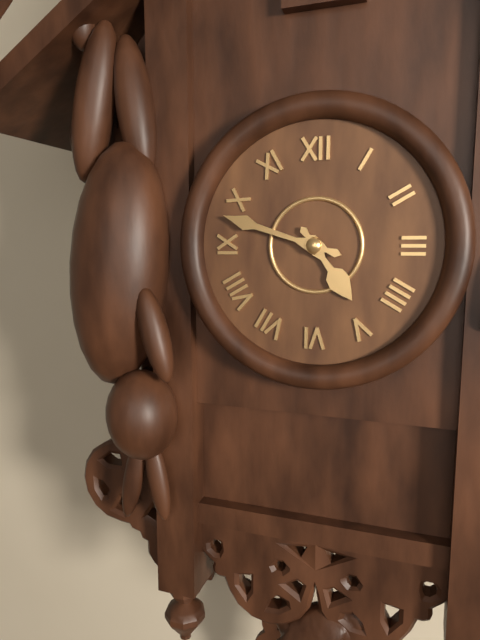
4h48
